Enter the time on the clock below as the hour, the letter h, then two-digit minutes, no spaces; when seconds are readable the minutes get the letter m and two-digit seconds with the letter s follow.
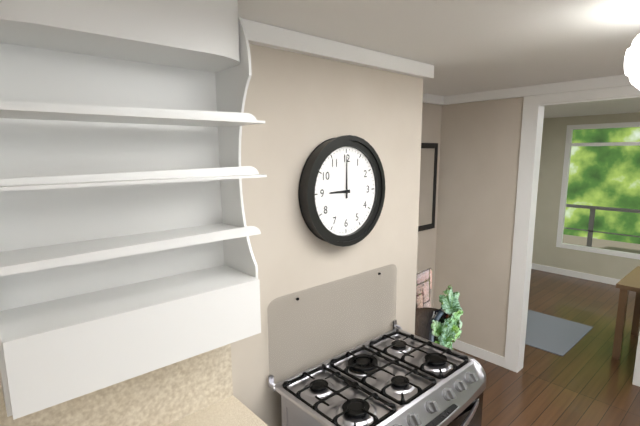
9h00
